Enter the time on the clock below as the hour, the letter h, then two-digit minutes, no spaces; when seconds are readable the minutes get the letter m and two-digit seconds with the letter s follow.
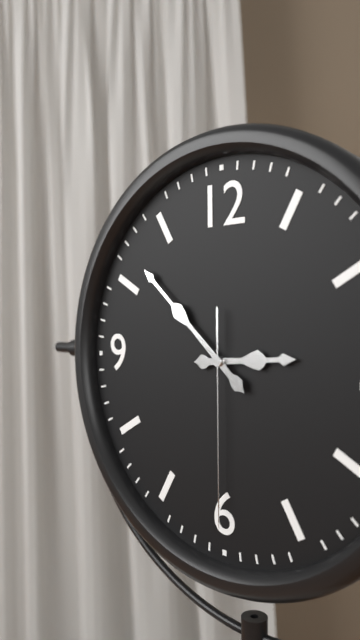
2h52m30s
